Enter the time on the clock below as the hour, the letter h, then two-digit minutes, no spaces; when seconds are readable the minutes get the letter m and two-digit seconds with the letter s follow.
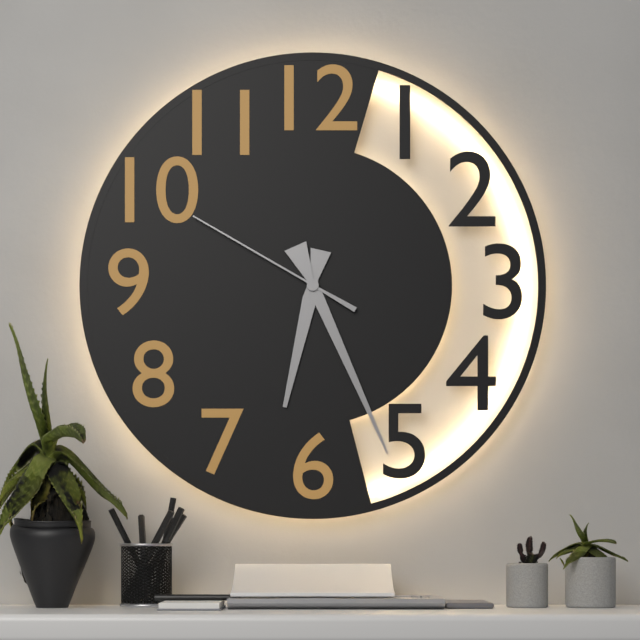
6h26m50s
